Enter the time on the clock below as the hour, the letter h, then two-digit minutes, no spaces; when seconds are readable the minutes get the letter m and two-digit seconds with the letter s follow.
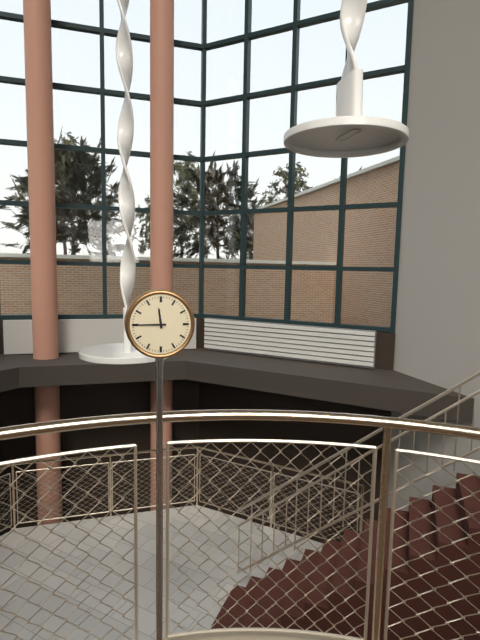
11h45
